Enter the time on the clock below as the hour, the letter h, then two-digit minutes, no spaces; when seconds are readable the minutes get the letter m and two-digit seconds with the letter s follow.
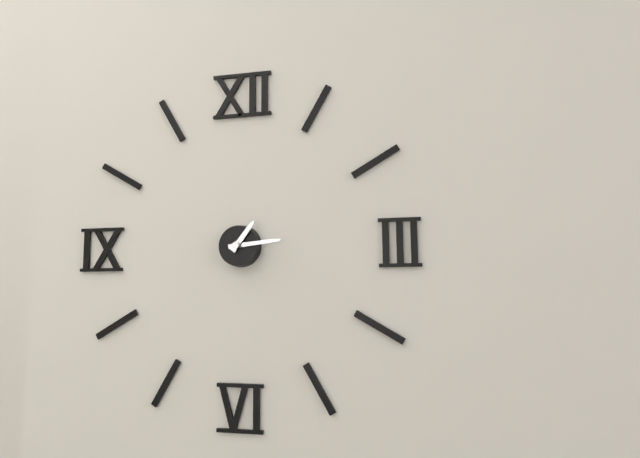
1h14
